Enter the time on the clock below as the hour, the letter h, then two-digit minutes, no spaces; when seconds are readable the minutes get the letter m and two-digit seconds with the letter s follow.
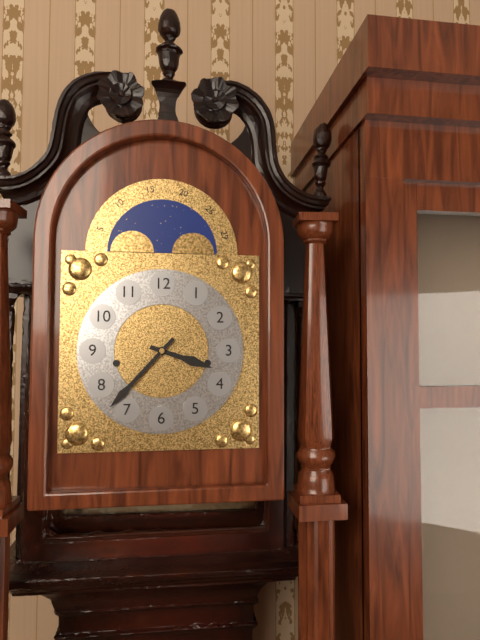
3h37
